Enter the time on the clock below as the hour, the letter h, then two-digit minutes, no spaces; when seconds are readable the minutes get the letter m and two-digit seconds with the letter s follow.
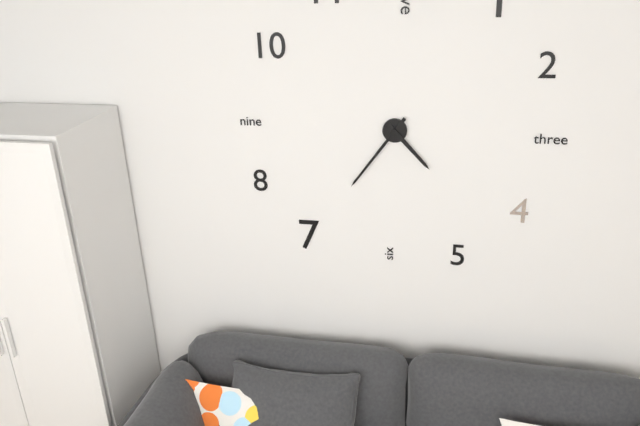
4h36
